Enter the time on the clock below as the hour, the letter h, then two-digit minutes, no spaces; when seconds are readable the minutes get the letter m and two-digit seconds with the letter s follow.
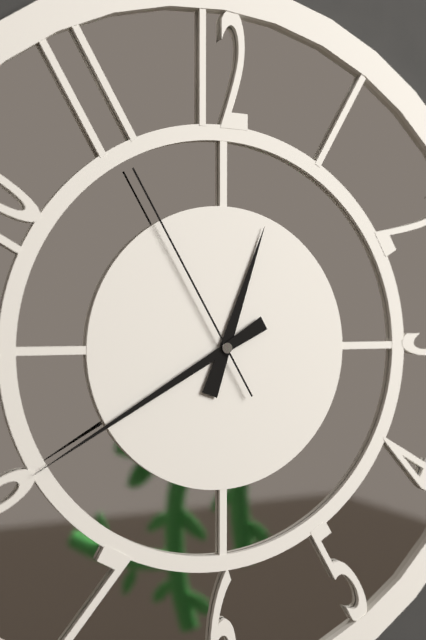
12h40m55s
